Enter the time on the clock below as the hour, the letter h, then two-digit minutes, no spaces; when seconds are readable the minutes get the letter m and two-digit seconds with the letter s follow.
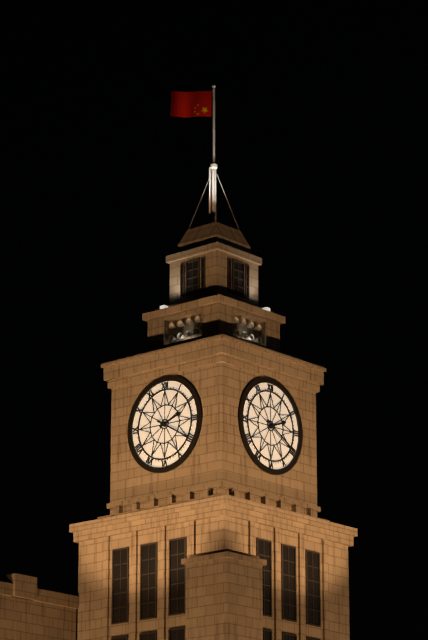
2h20
